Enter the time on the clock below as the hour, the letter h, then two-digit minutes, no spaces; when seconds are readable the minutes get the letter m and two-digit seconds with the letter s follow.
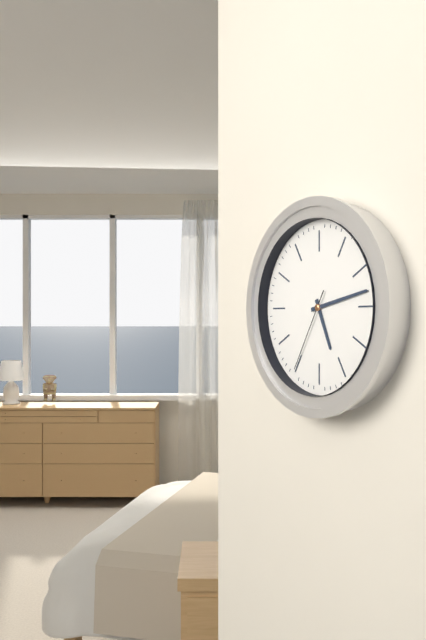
5h13m35s
